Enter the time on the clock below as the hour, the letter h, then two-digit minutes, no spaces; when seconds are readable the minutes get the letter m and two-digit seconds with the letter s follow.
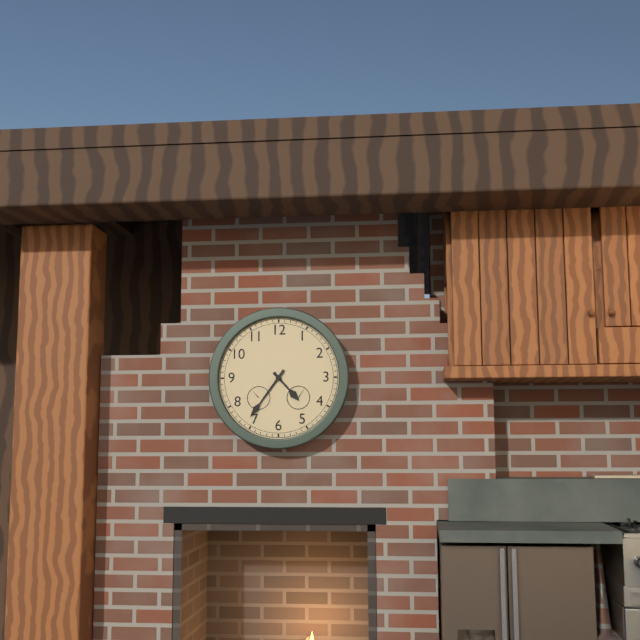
4h36
